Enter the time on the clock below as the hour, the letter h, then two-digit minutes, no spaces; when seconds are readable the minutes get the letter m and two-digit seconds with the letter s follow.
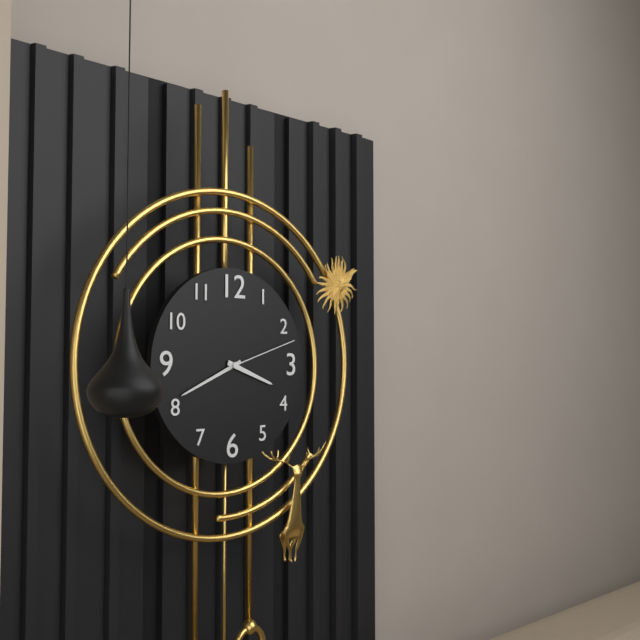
3h41m12s
